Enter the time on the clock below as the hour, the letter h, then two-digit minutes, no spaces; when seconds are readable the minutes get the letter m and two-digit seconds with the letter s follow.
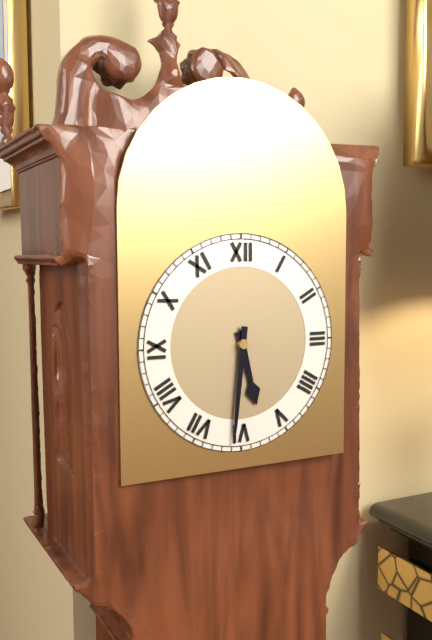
5h31
